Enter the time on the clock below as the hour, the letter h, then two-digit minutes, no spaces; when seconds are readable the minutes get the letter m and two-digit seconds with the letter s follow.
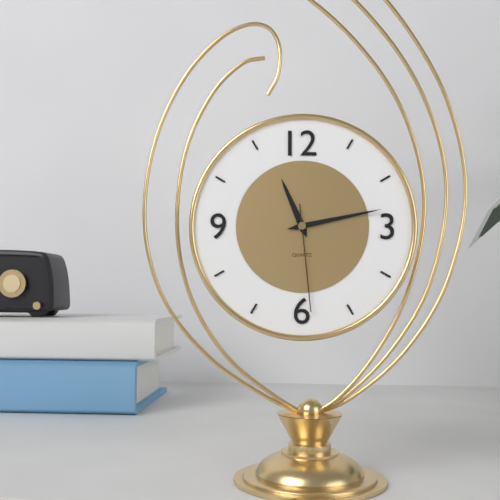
11h13m29s
